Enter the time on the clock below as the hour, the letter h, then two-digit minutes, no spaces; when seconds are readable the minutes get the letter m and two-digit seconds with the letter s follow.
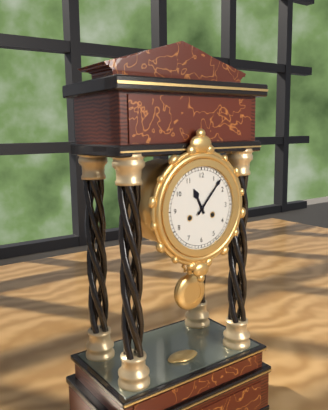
11h07
